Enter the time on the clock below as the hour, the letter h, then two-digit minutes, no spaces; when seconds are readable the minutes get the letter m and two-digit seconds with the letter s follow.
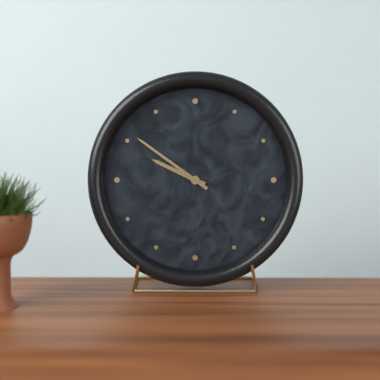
9h51
